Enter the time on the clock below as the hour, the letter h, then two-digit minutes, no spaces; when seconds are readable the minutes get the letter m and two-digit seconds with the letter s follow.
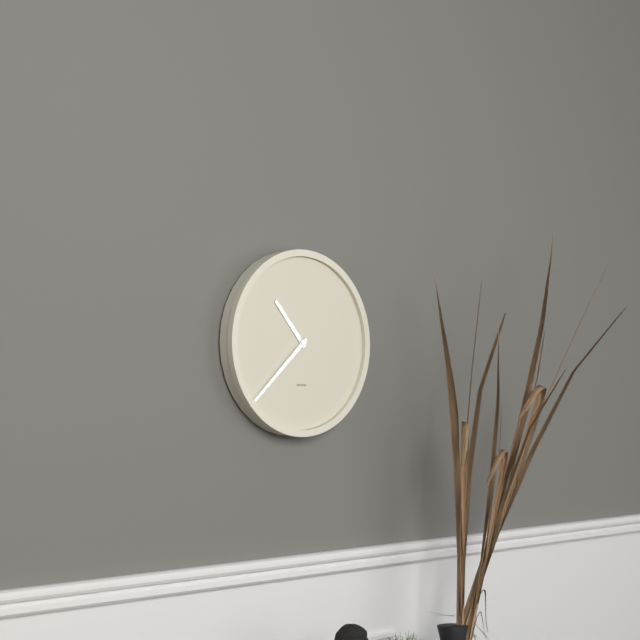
10h38
